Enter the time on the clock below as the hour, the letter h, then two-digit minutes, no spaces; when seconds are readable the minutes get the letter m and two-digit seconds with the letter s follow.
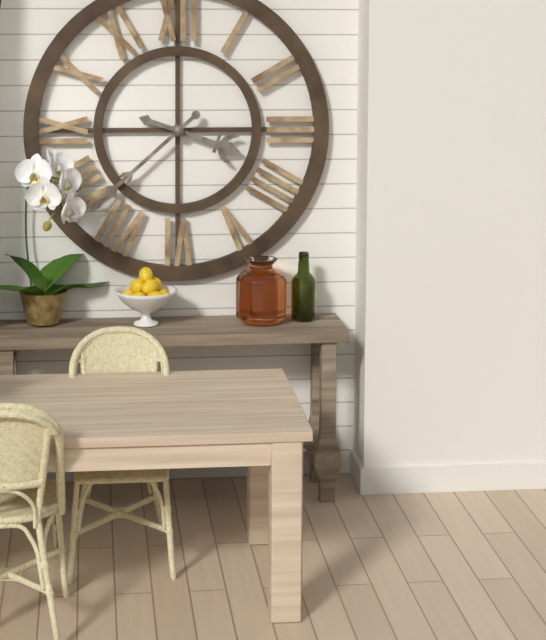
3h38
